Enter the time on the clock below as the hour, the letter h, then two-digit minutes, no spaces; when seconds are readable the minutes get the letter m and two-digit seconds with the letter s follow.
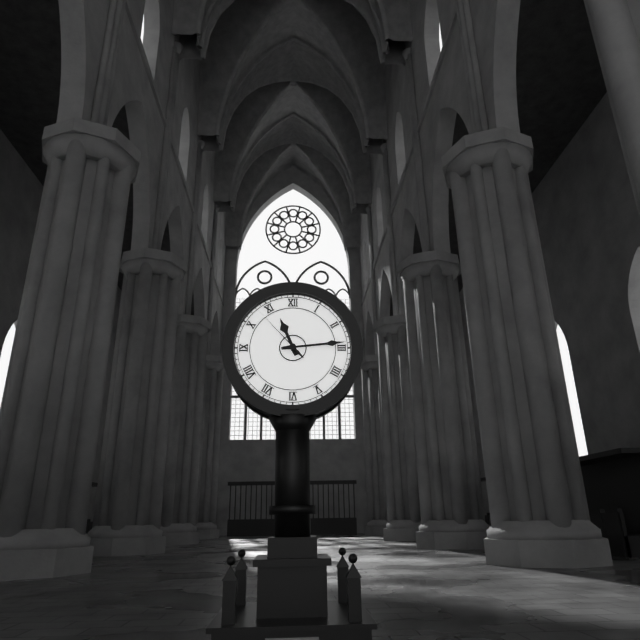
11h14m53s
